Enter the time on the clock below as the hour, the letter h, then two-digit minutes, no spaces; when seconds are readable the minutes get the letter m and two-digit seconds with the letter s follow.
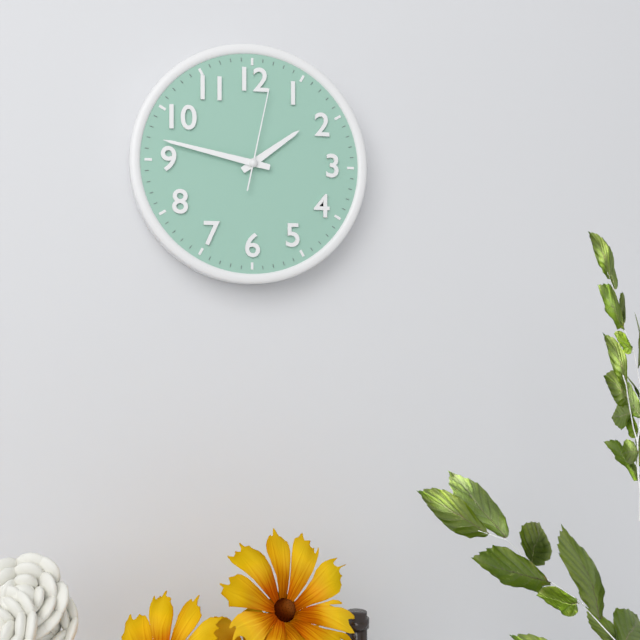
1h47m02s
